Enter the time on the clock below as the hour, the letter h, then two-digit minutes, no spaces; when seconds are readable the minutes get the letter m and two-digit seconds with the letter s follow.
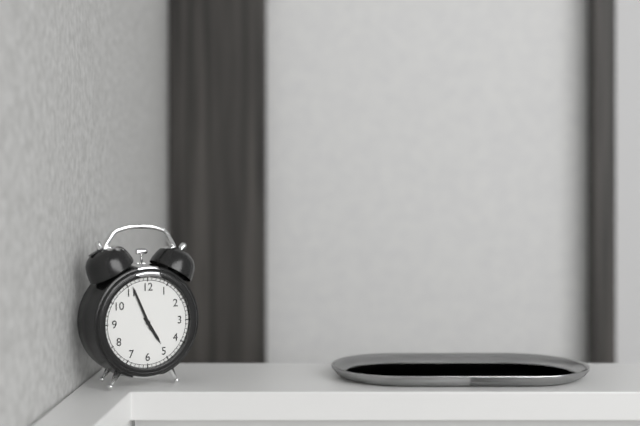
4h56
